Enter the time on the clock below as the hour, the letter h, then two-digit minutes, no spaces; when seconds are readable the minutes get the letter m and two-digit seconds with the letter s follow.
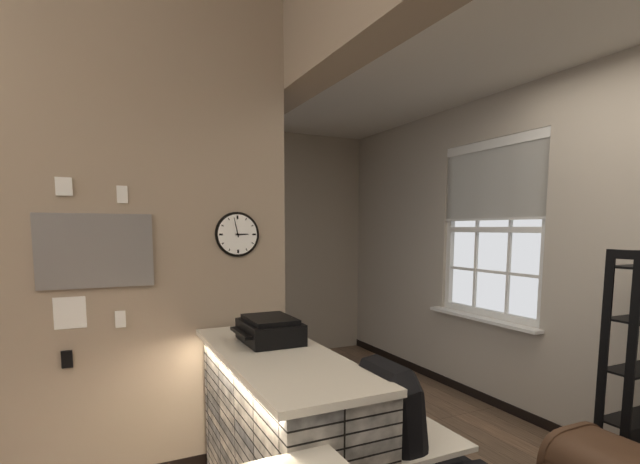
2h58
